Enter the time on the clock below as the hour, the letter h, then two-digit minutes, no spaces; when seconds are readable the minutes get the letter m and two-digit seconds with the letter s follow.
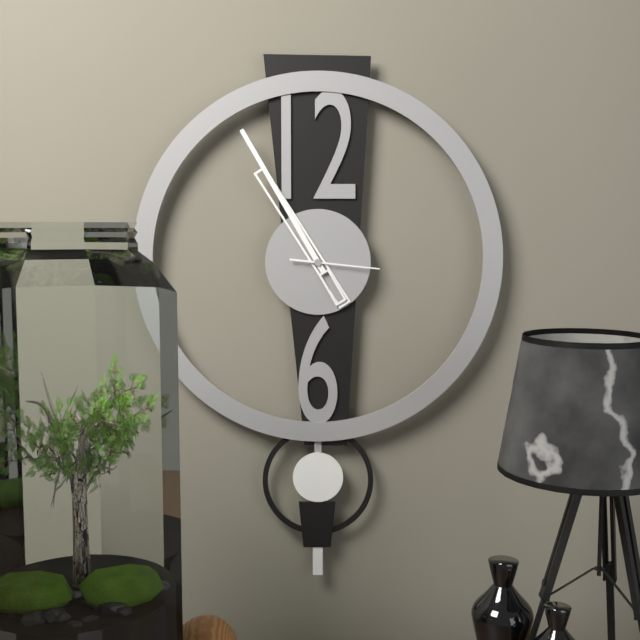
10h55m16s
